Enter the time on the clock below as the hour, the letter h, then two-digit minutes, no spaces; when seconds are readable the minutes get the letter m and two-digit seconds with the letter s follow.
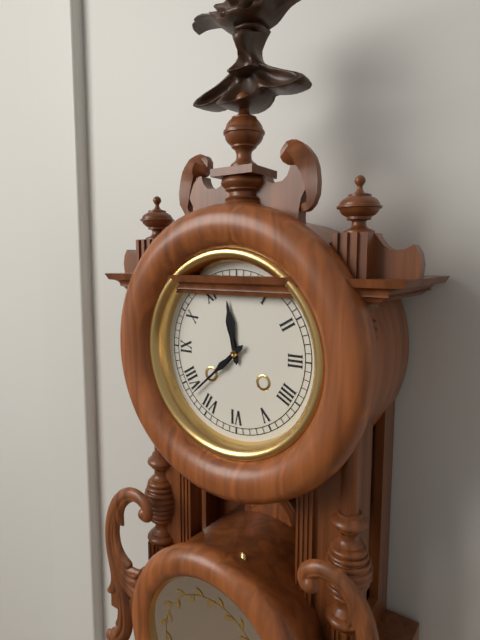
11h38
